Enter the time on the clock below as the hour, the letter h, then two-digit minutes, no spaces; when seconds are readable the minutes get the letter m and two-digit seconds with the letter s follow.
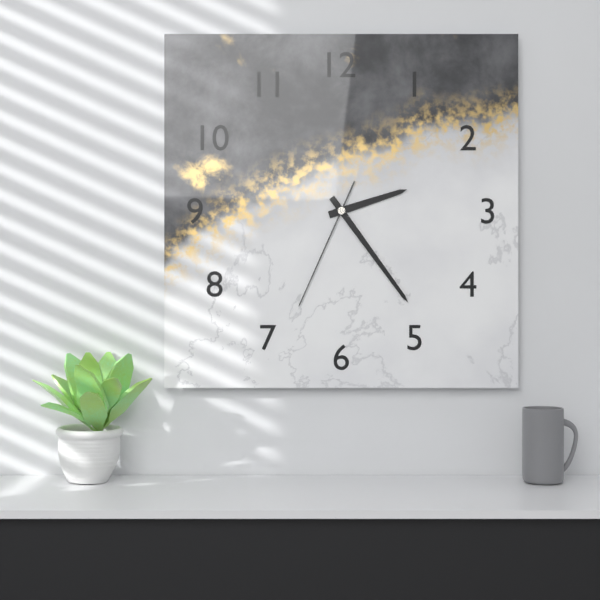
2h24m34s
